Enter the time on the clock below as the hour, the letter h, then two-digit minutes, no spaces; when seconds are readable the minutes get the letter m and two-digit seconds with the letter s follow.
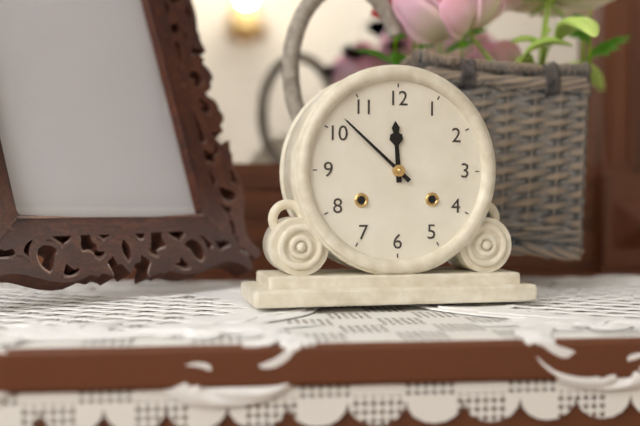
11h52
